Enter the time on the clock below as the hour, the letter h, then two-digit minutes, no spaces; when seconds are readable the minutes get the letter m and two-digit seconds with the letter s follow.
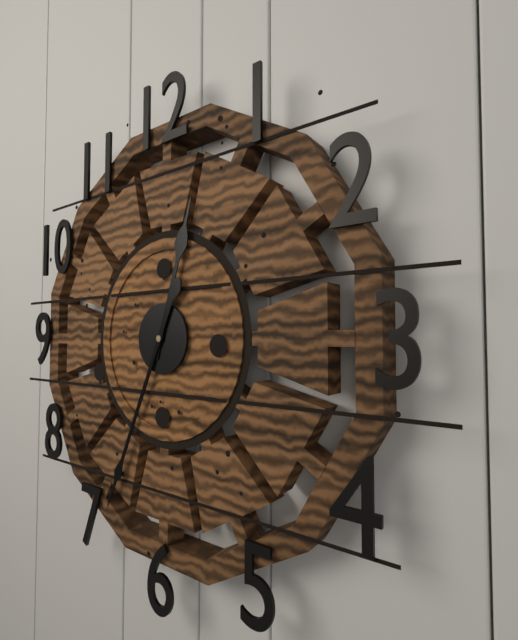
12h34
